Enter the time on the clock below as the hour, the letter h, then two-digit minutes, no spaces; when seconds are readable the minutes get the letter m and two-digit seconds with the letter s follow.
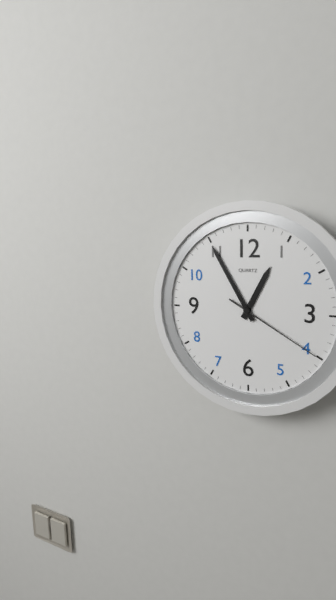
12h55m20s
